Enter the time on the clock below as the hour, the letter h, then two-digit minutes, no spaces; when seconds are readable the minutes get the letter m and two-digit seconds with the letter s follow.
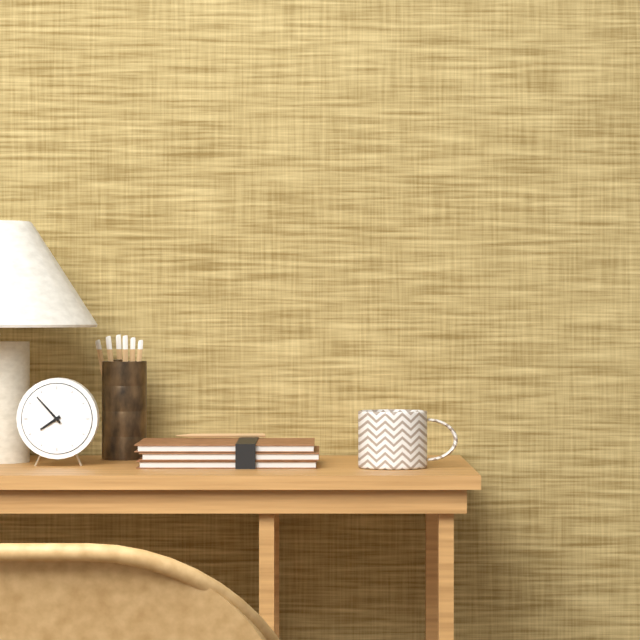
7h53
